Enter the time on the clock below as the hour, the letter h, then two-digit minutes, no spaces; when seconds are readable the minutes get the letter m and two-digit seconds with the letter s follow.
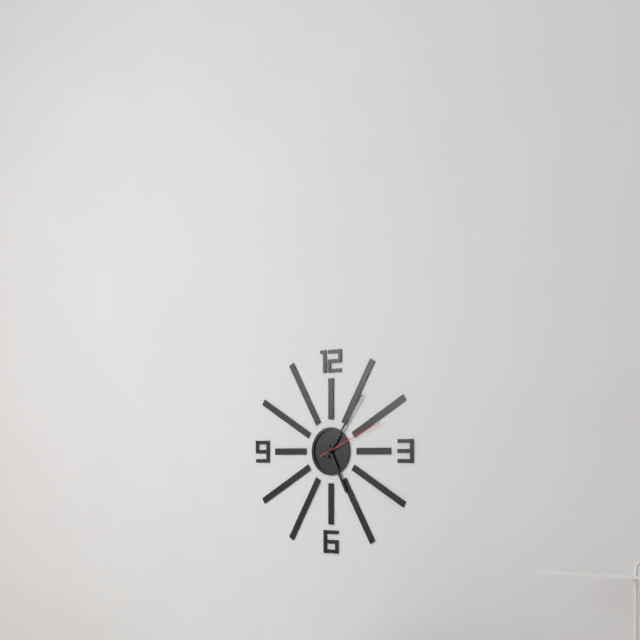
5h06m11s
